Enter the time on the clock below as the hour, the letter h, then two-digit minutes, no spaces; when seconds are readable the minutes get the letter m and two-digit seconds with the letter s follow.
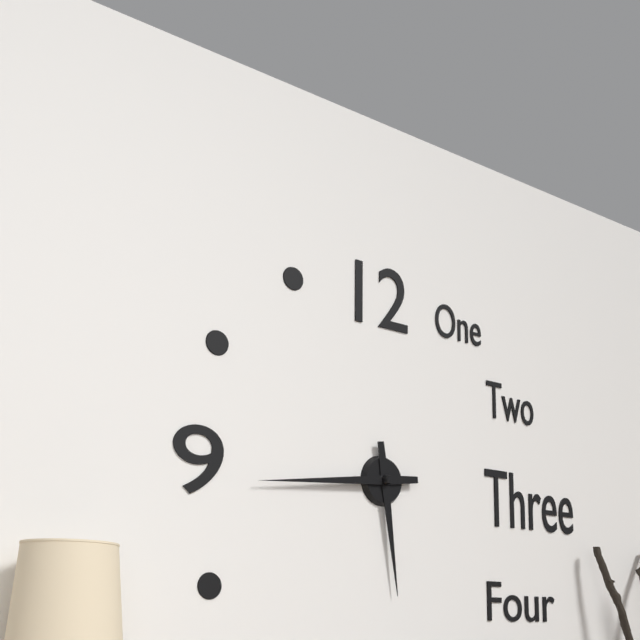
5h44
